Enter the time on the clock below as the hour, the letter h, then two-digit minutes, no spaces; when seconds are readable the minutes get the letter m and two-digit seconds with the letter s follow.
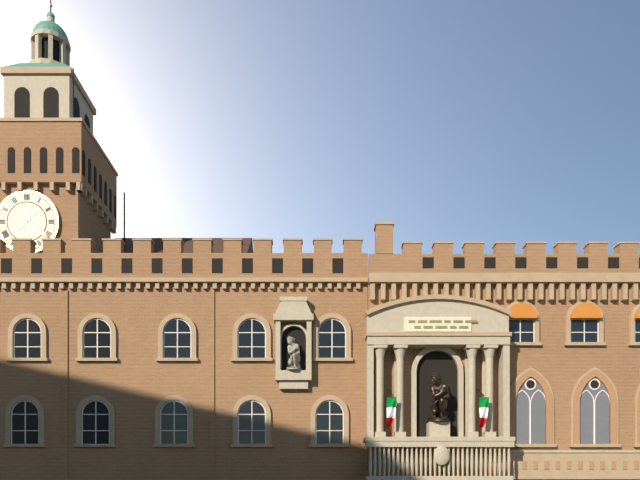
10h21
